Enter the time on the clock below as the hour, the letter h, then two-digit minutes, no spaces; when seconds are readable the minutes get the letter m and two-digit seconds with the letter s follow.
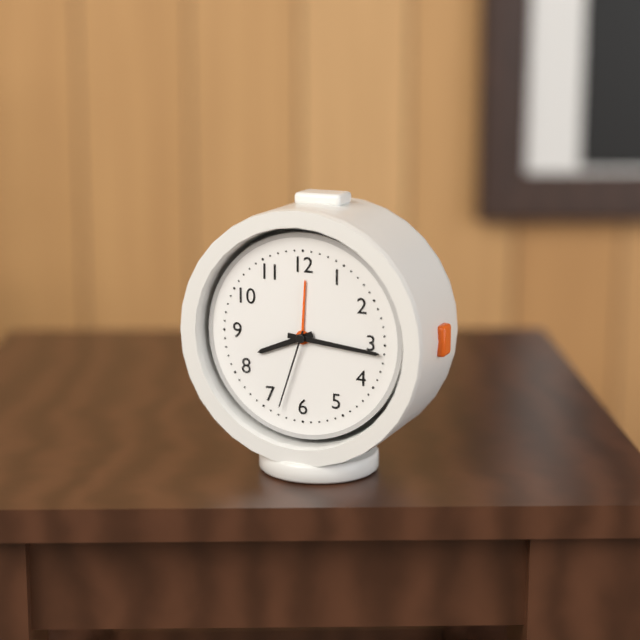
8h16m33s
